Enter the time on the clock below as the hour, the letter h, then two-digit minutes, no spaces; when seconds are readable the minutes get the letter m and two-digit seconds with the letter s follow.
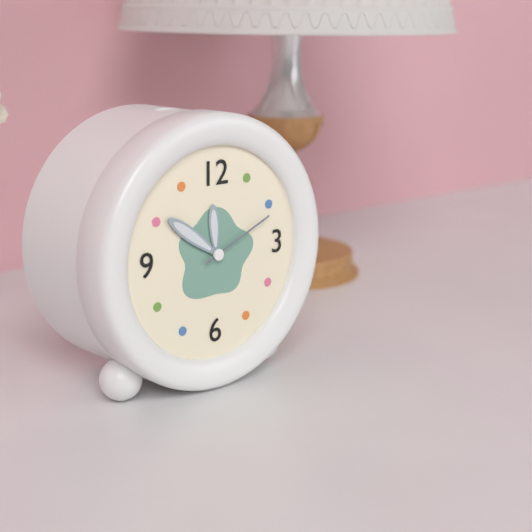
11h51m11s
